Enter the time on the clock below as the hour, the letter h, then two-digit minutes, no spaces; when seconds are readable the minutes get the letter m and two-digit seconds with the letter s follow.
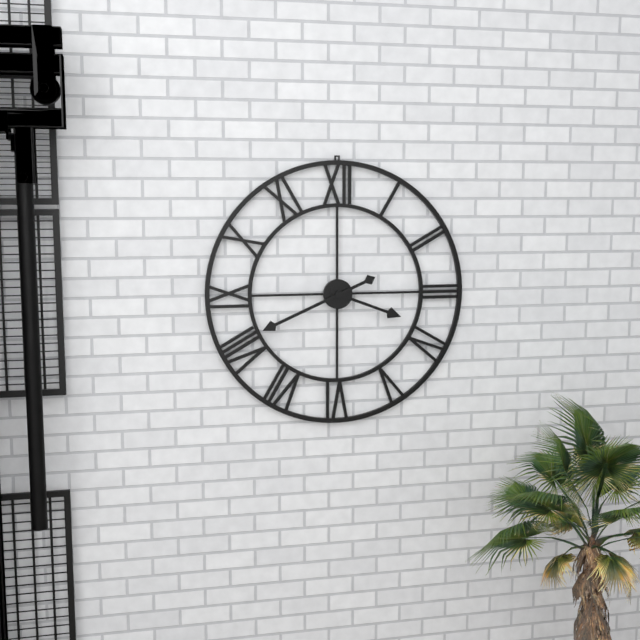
3h41
